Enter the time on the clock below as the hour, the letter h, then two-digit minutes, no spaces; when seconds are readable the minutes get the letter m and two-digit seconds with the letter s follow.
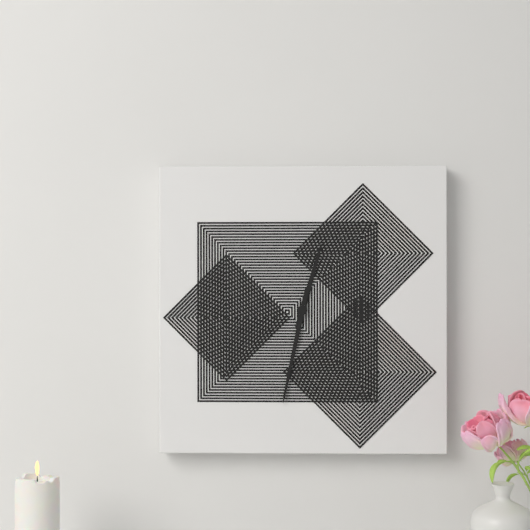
12h32
